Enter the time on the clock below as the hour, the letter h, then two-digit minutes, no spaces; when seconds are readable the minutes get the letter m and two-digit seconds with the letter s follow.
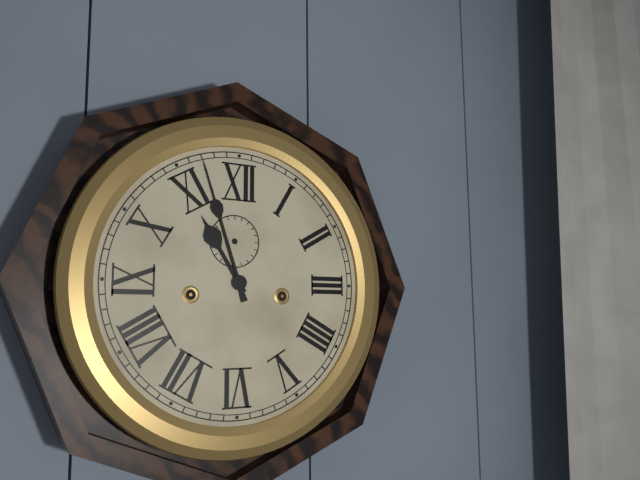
10h57
